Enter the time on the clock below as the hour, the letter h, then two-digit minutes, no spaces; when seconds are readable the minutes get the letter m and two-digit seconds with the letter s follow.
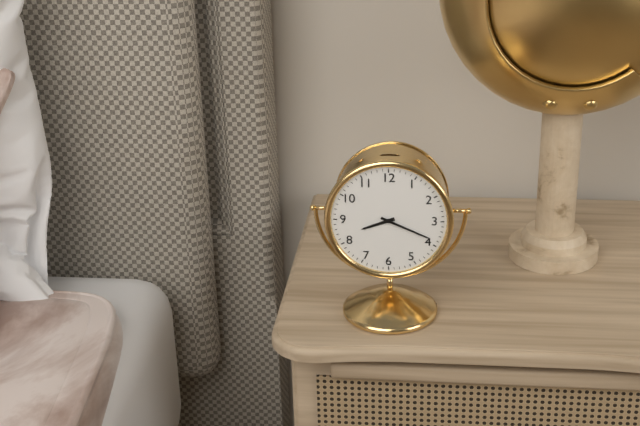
8h19
